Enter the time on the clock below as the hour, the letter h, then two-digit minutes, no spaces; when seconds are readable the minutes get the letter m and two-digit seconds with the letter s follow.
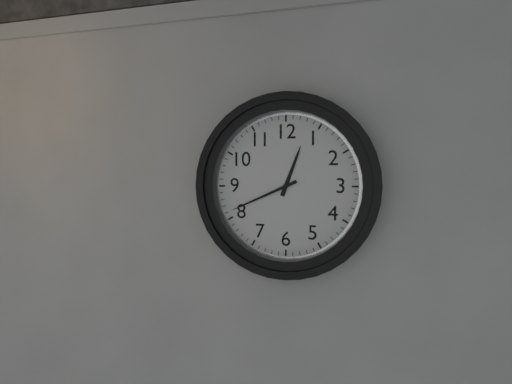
12h41
